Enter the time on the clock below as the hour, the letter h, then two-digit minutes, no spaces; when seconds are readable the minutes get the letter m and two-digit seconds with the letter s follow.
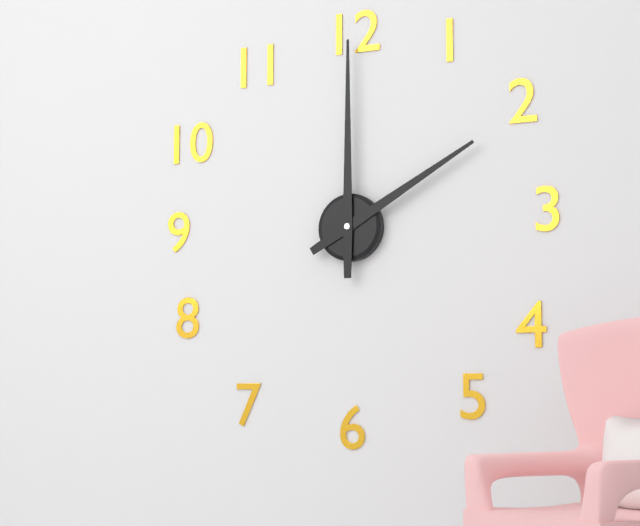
2h00
